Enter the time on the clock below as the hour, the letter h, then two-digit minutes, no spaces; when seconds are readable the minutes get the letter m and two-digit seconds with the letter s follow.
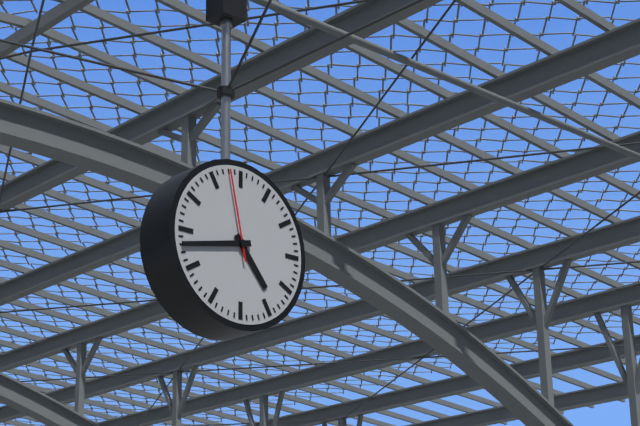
4h43m58s
